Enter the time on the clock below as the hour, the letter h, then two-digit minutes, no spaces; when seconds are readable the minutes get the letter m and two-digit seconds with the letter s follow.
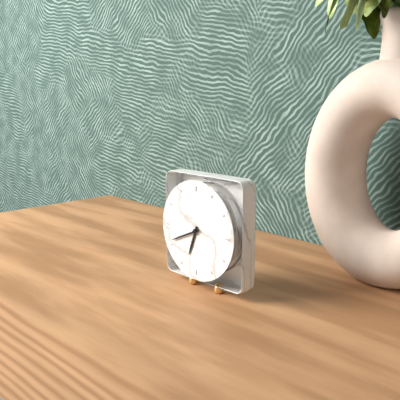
6h41
